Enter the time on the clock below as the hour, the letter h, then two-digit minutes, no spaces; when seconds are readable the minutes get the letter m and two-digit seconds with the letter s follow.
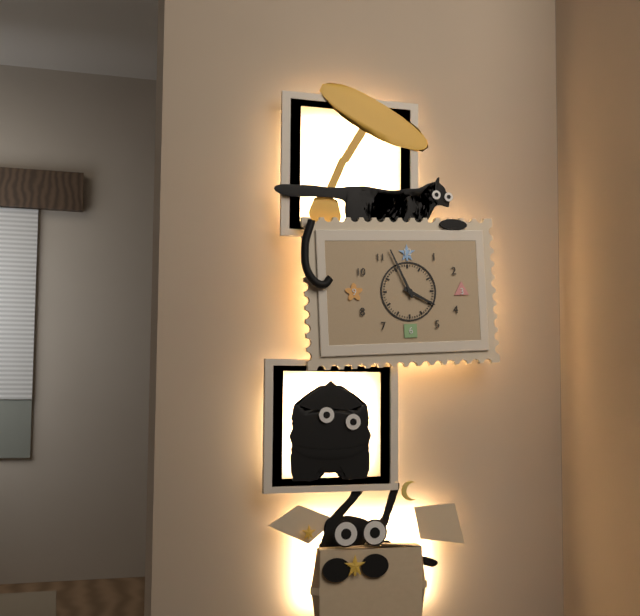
3h56
